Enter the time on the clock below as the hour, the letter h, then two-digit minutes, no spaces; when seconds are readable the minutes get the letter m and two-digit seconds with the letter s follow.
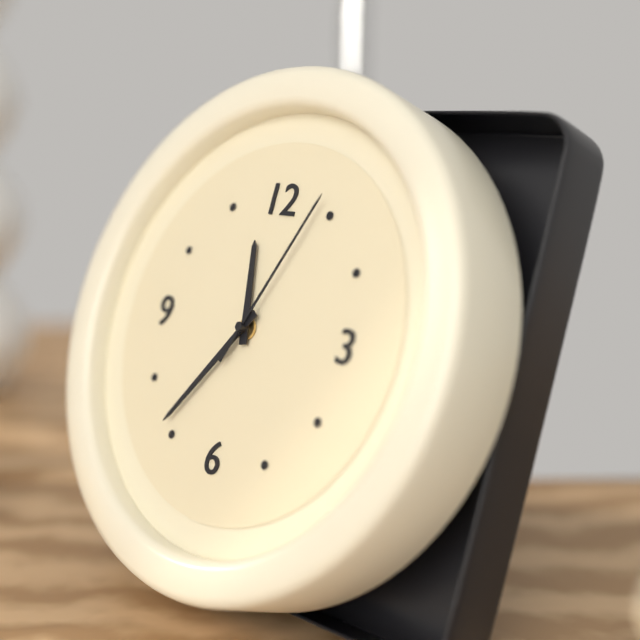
11h36m04s
